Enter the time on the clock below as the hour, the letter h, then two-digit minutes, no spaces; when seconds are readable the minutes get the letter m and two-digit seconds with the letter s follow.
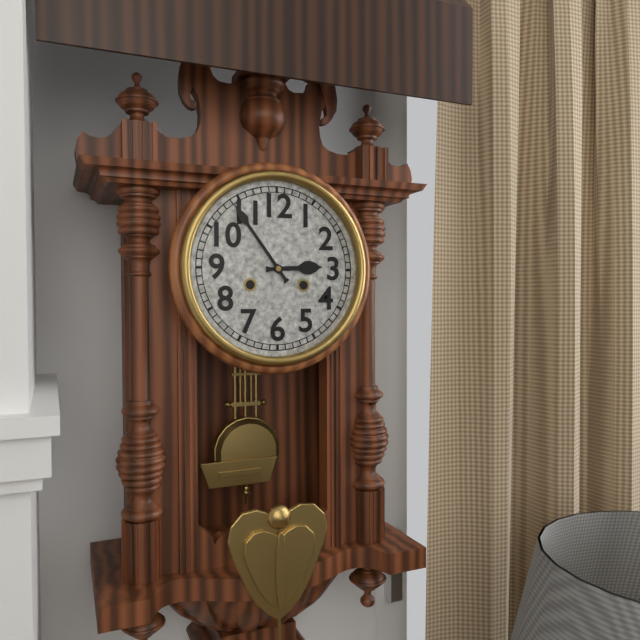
2h54
